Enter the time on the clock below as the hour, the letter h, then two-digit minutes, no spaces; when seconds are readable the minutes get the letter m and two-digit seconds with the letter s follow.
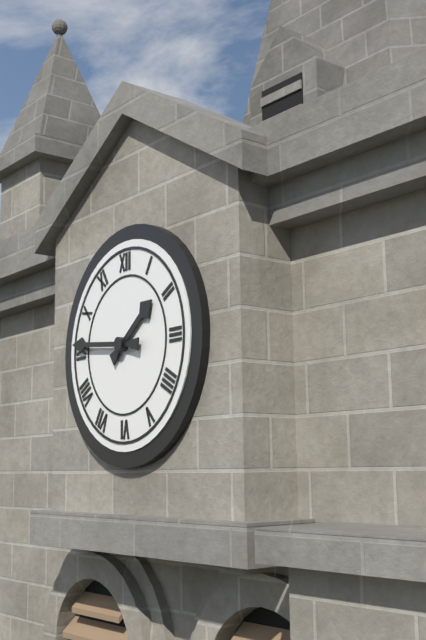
1h46
